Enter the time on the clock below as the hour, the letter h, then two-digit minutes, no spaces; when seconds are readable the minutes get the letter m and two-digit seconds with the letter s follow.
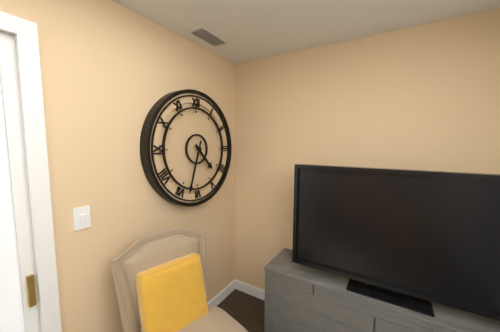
4h33
